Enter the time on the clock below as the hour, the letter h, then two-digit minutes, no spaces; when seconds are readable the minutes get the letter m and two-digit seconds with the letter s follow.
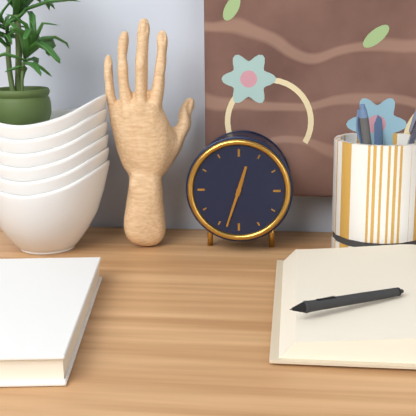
12h33
